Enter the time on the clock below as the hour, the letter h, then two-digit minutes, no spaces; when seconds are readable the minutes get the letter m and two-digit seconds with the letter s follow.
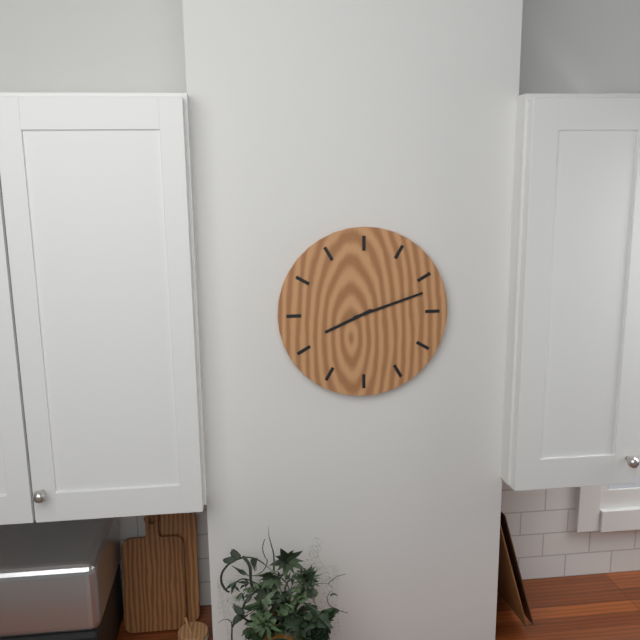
8h12
